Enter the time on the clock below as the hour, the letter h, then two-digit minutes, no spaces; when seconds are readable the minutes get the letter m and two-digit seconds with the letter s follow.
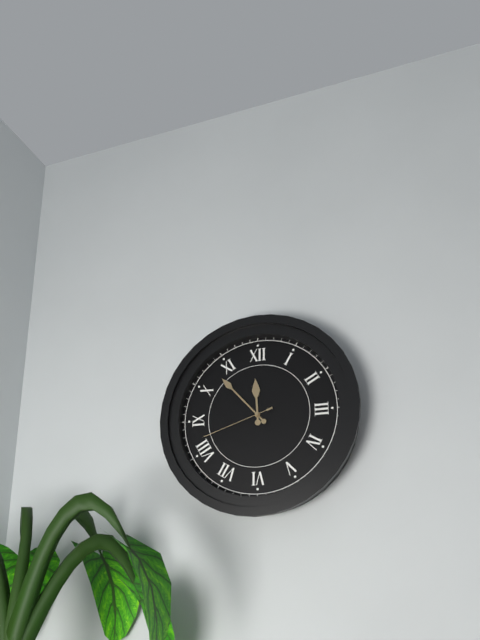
11h53m42s
